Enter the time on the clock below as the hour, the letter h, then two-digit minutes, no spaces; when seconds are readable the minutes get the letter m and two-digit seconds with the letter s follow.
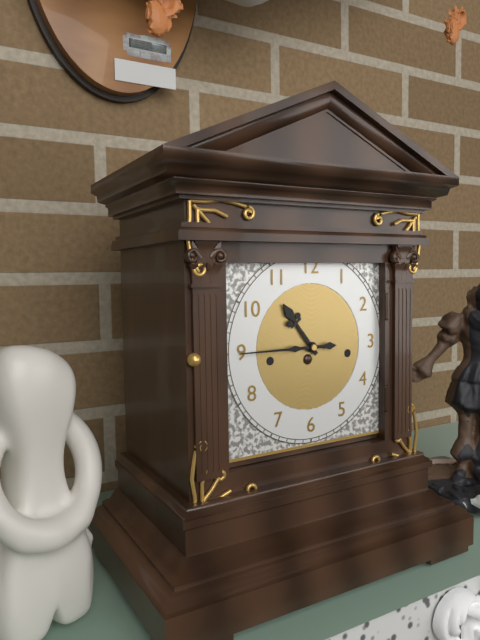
10h45
